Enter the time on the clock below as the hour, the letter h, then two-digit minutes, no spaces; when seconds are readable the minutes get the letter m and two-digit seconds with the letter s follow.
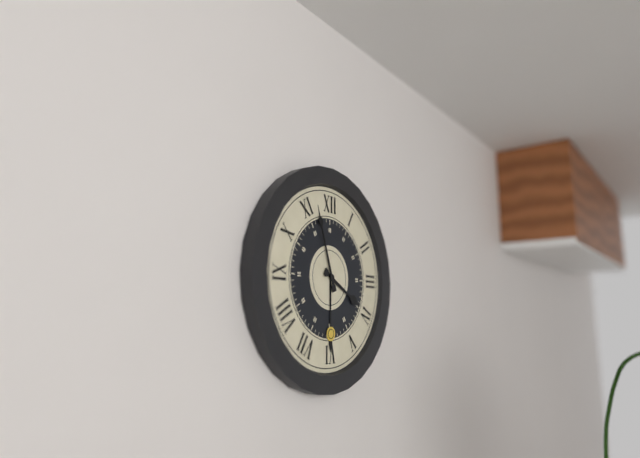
3h57
